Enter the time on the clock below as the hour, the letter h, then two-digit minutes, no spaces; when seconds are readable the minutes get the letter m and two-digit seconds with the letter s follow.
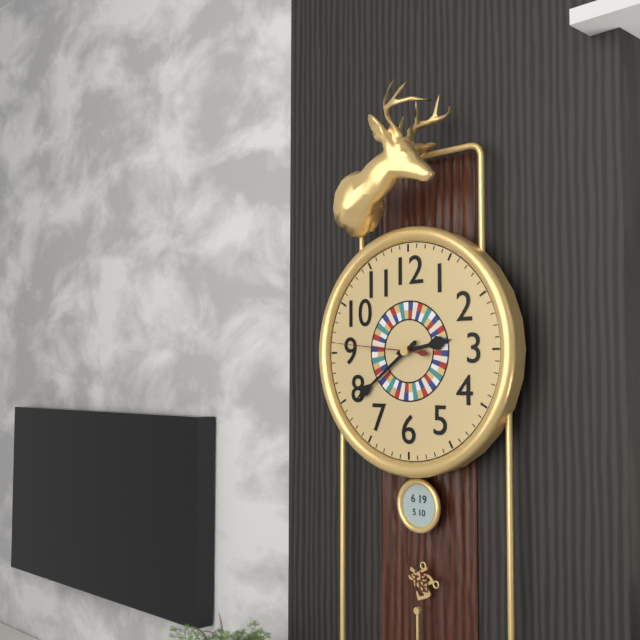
2h39m46s
